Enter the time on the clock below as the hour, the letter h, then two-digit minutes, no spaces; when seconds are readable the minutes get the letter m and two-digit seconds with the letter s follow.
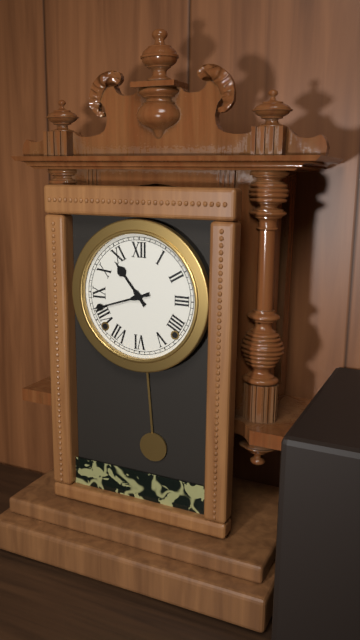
10h42
